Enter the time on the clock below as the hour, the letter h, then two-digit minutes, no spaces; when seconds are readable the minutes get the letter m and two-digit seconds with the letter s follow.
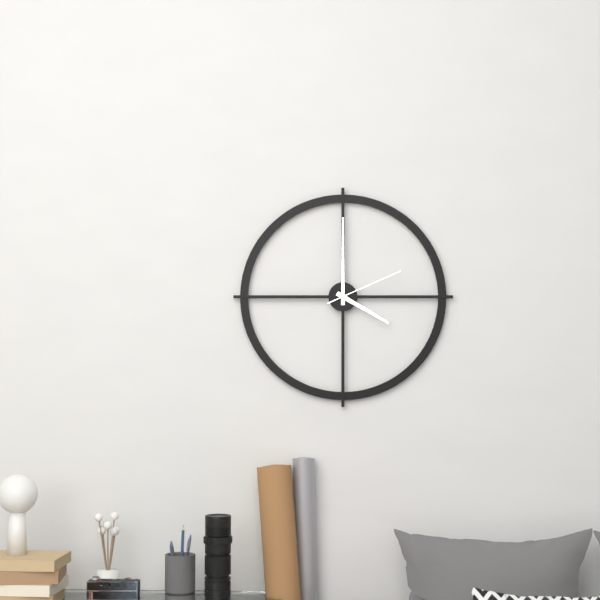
4h00m11s
